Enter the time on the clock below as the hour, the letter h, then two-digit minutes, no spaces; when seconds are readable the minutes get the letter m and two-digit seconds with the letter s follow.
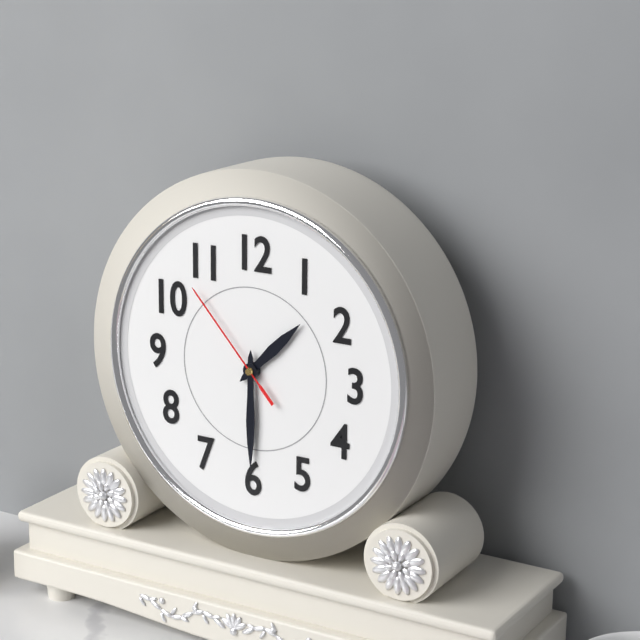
1h30m53s
